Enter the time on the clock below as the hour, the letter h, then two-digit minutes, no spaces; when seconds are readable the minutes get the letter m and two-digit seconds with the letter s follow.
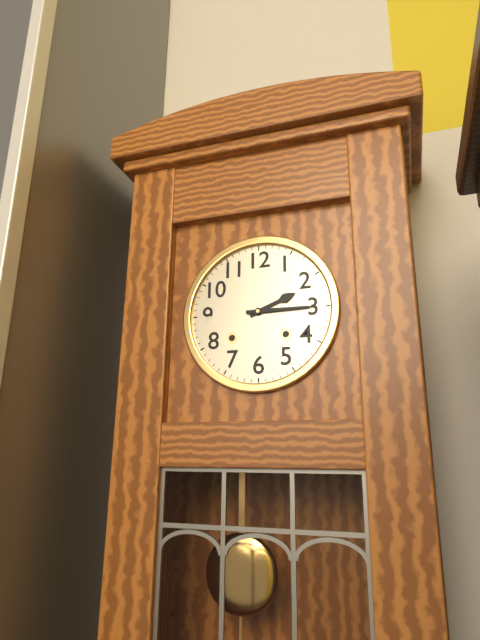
2h15
